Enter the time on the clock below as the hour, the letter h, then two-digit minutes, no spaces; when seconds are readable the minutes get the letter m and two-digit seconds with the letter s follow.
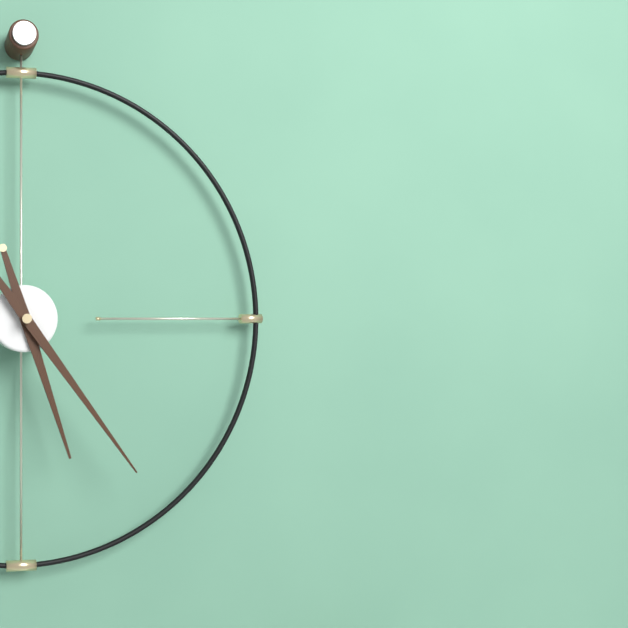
5h24
